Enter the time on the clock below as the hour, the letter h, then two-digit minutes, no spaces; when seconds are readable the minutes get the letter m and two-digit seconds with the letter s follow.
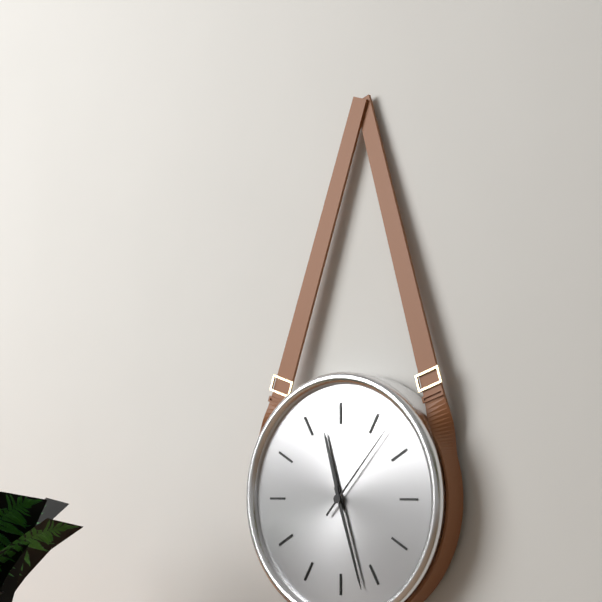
11h27m07s
